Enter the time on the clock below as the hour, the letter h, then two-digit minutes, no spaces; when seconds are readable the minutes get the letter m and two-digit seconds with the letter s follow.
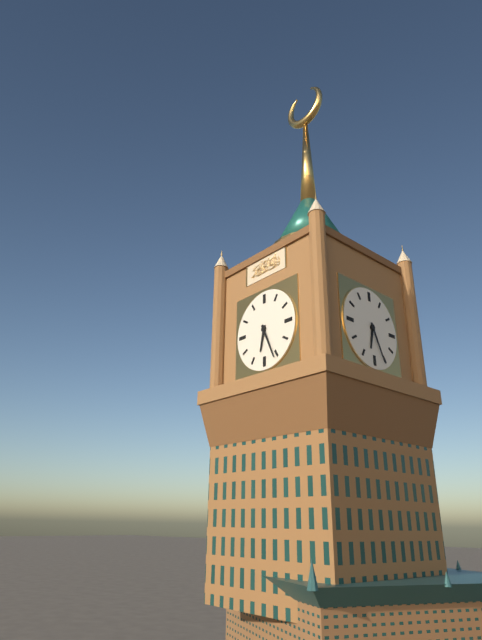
6h26
